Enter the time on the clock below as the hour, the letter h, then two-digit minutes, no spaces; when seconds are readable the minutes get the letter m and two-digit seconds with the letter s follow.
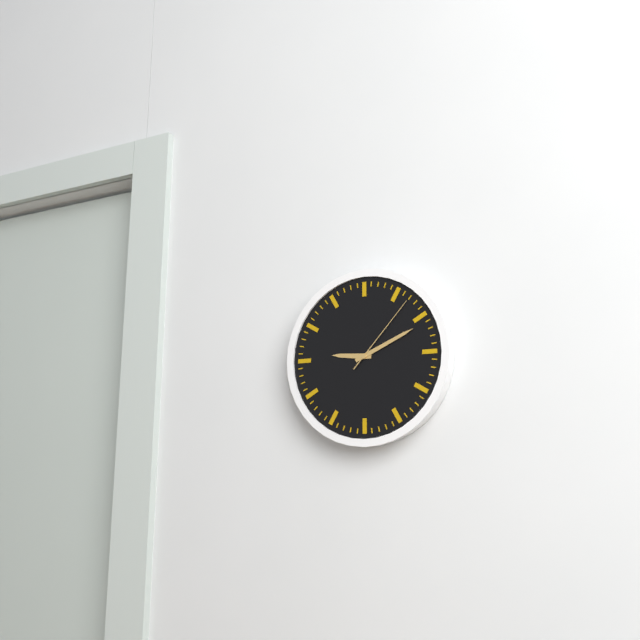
9h11m07s
